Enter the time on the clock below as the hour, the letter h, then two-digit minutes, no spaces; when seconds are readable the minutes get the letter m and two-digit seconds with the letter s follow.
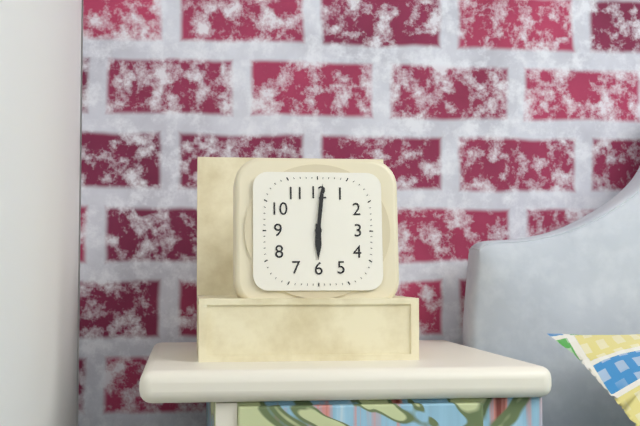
6h01
